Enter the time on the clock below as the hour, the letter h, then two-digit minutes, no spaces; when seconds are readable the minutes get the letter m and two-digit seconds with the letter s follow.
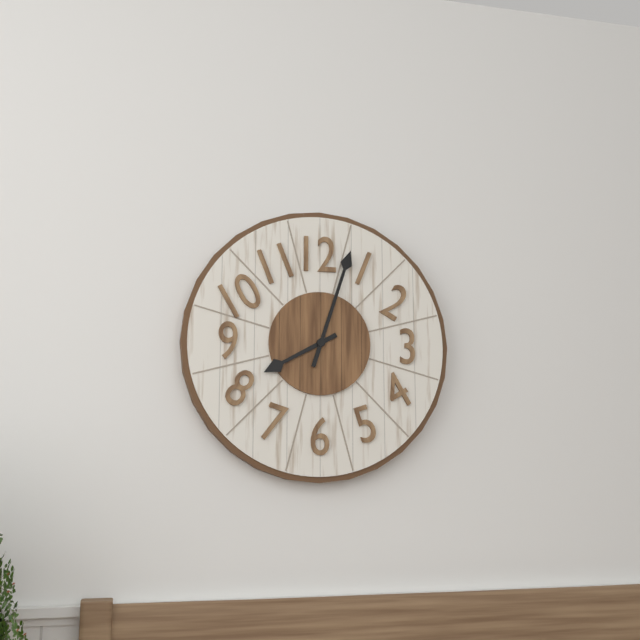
8h03
